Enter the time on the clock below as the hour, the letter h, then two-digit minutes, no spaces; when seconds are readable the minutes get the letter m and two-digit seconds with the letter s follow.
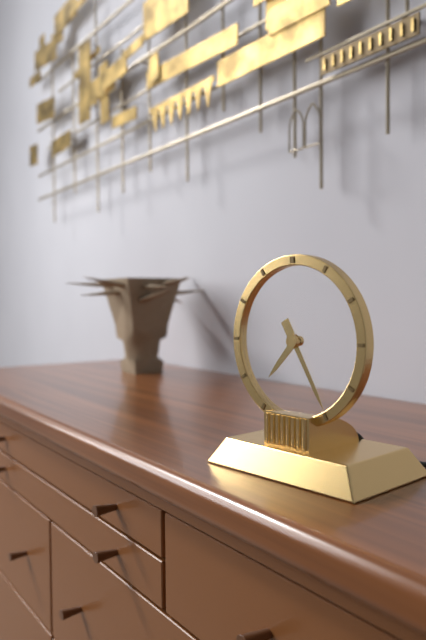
7h25
